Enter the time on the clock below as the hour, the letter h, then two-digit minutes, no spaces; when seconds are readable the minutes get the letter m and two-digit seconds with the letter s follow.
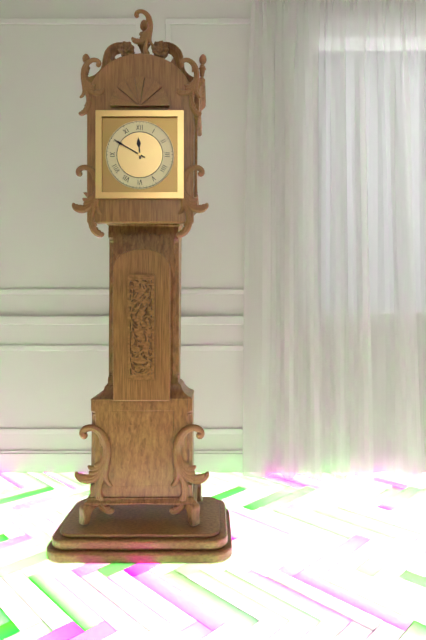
11h50
